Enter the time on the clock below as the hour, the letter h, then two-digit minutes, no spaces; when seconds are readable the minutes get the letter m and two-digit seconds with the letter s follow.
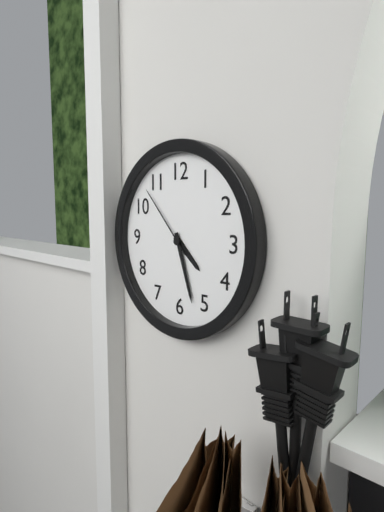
4h27m53s
